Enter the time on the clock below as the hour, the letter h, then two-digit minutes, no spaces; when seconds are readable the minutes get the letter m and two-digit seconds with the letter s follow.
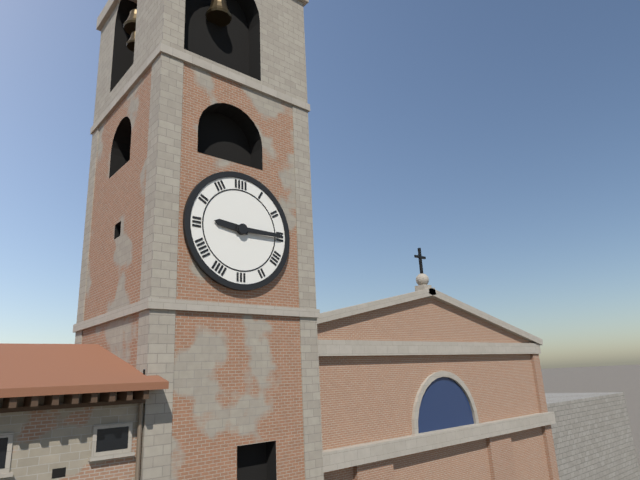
9h15
